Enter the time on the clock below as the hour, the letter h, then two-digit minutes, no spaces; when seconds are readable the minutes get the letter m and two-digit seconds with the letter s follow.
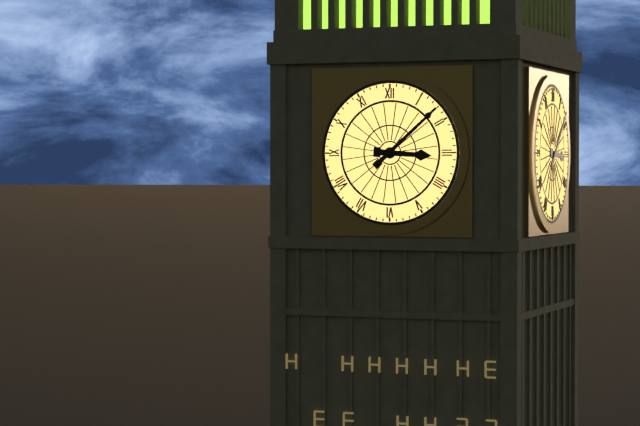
3h08
